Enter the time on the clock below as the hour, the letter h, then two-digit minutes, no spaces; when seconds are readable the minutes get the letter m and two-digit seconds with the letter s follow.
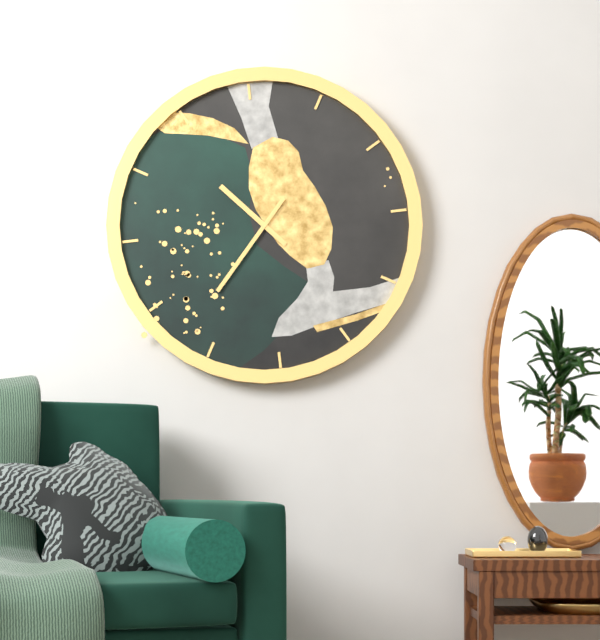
10h37
